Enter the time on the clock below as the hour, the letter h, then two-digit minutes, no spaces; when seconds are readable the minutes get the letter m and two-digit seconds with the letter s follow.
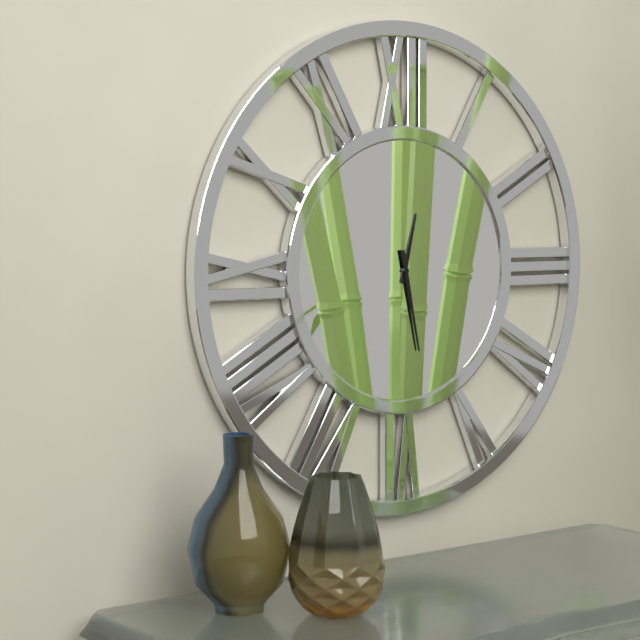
12h28
